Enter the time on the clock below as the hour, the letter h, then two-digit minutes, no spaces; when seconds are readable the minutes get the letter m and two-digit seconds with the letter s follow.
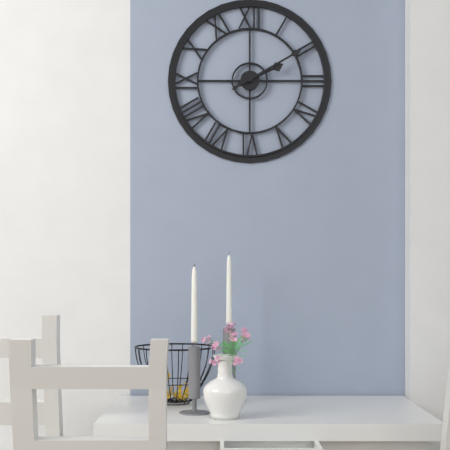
2h10
